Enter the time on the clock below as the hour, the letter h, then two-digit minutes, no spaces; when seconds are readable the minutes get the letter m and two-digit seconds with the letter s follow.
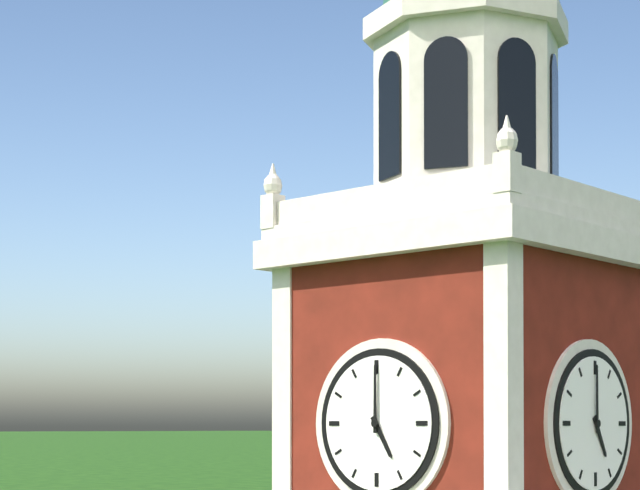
5h00
